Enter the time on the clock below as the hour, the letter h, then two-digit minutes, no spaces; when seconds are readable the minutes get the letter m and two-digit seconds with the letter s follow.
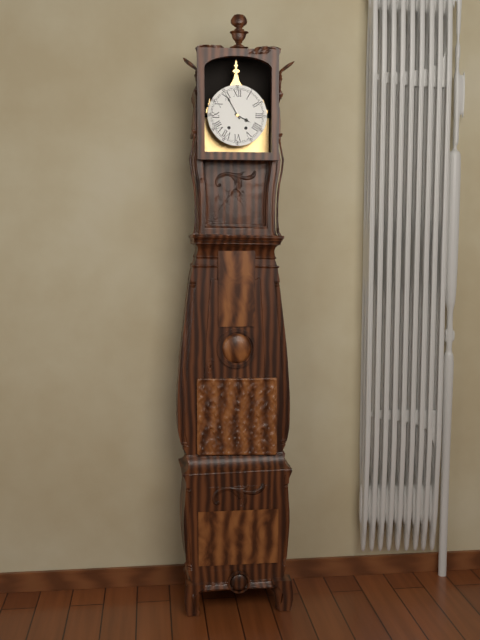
3h55
